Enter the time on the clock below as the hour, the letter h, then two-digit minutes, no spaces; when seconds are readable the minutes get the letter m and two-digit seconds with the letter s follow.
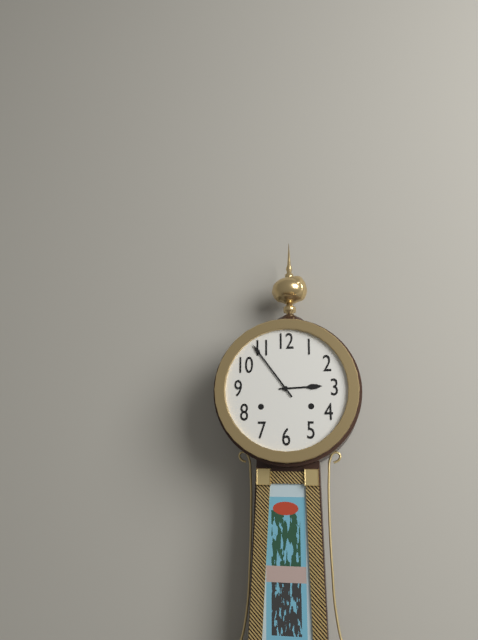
2h54
